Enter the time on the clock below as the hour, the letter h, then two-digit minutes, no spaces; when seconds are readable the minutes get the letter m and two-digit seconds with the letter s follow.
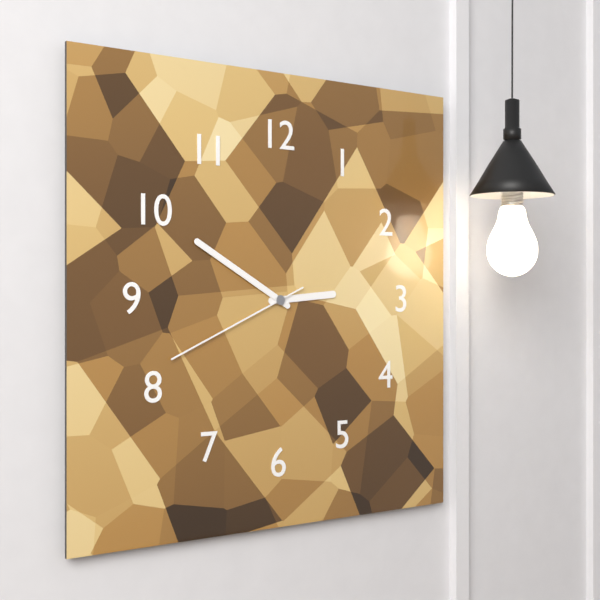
2h50m41s
